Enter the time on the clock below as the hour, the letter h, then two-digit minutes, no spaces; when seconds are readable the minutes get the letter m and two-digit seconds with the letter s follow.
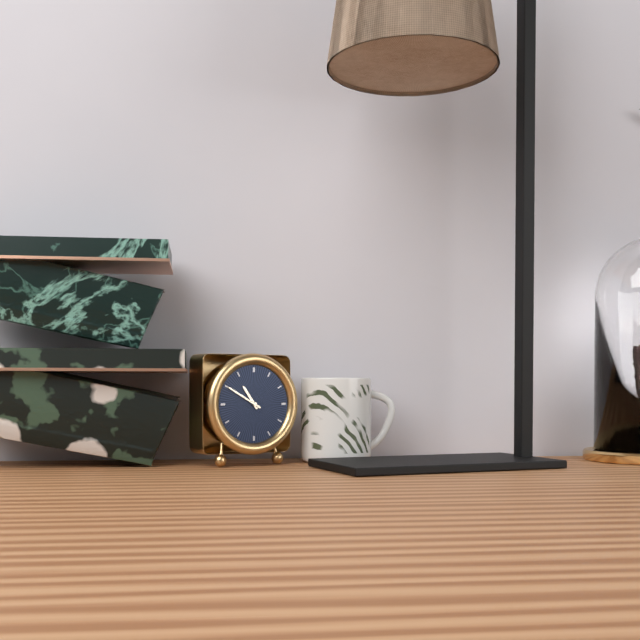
10h50
